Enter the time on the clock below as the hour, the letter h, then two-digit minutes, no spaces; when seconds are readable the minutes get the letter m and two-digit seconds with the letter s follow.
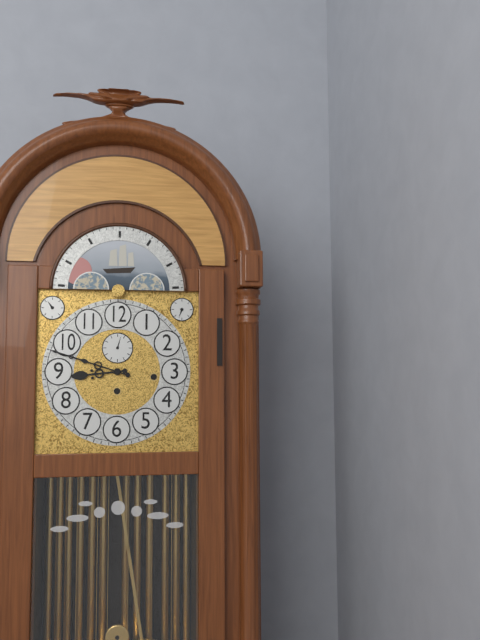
8h48
